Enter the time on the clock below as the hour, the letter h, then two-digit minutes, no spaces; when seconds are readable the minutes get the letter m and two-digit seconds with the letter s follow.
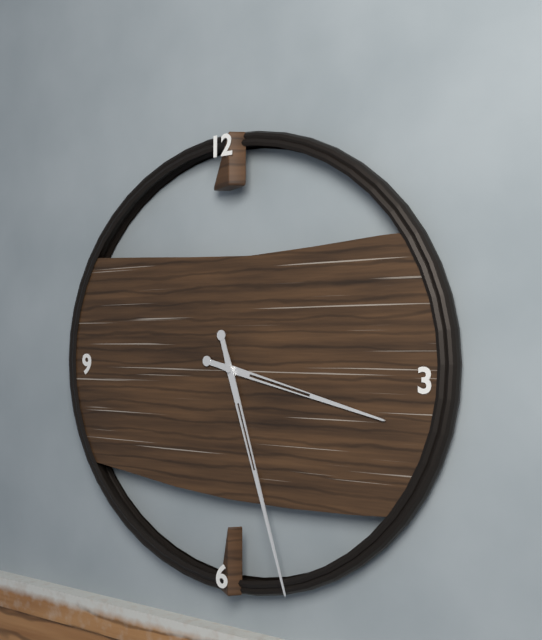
3h27
